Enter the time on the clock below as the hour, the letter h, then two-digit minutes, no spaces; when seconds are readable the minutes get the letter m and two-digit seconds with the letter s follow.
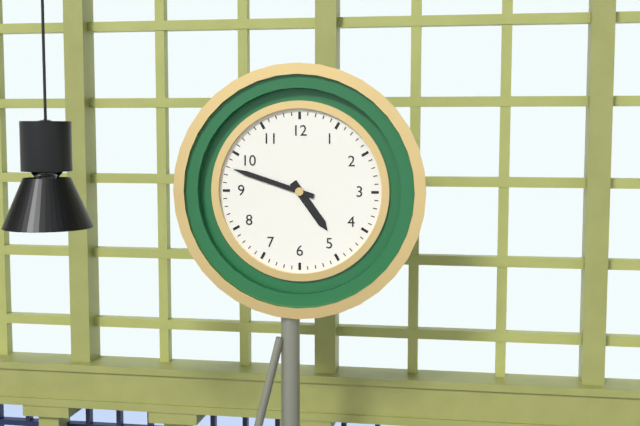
4h48
